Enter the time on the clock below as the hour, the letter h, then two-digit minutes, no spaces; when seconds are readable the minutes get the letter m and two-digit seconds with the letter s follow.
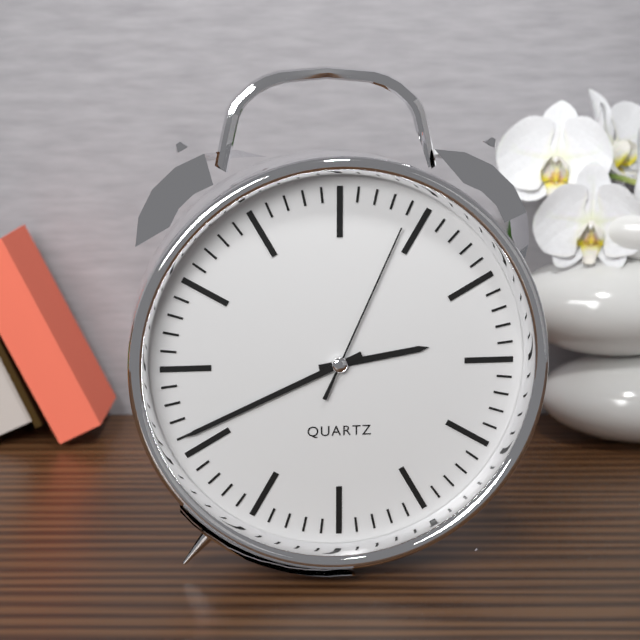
2h41m04s
